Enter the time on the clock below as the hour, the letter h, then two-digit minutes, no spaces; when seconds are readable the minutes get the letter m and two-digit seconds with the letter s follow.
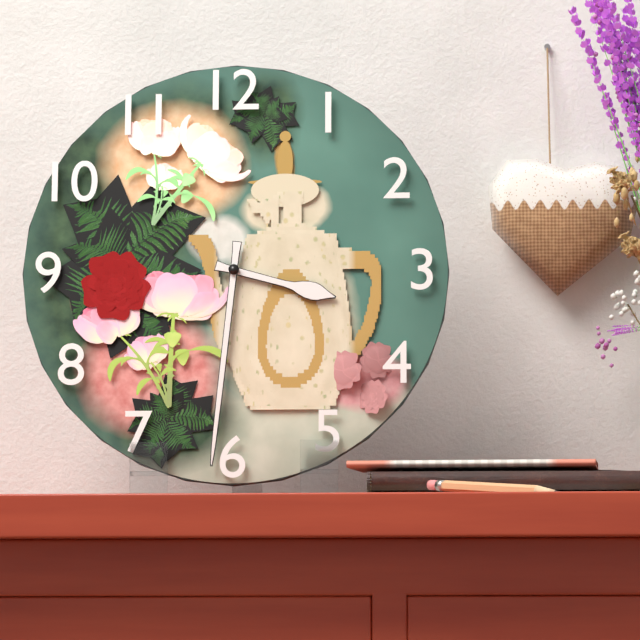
3h31
